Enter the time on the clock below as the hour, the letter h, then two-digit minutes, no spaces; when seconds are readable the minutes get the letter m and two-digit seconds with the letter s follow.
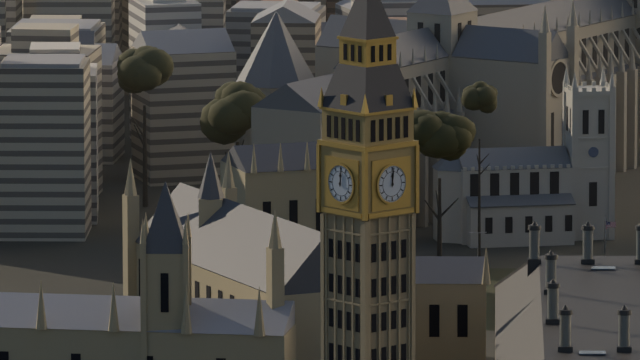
12h01
